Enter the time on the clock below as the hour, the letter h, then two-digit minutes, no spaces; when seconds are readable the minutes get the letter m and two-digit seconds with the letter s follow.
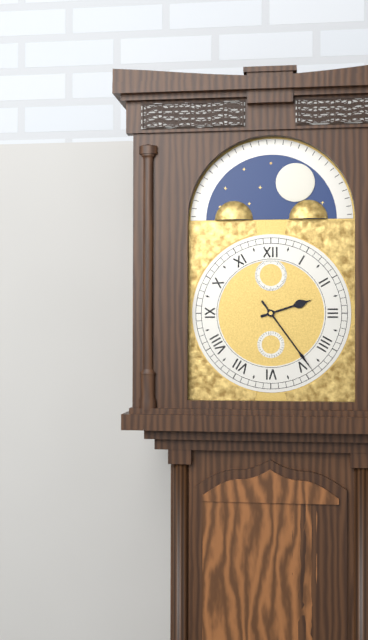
2h24
